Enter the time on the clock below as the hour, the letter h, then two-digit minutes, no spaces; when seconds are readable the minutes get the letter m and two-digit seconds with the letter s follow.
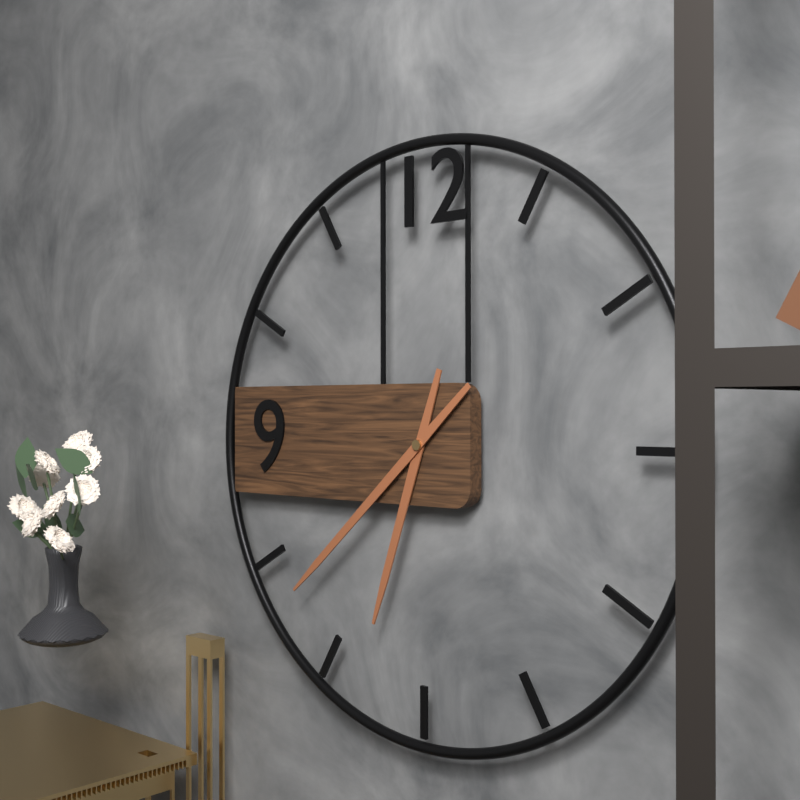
6h38
